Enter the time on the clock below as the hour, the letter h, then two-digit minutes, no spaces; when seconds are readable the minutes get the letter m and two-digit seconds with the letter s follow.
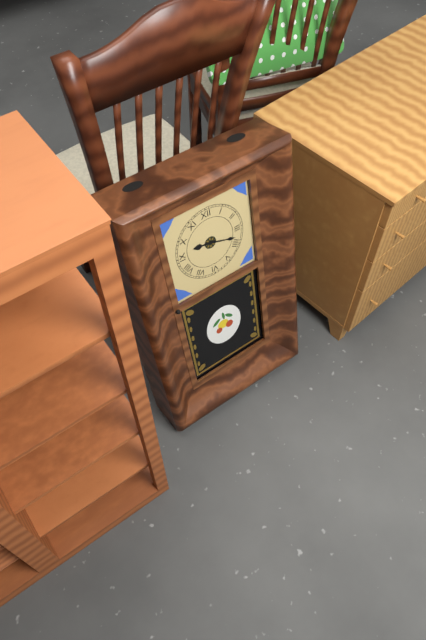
9h18
